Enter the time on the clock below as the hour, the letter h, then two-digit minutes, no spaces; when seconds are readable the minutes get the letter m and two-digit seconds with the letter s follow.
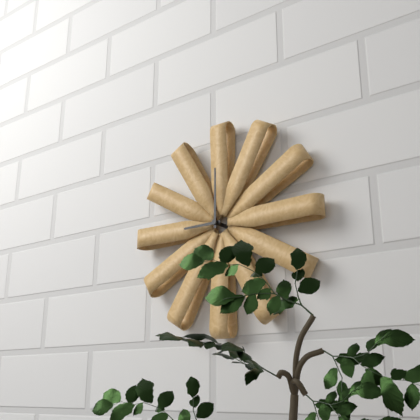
9h00
